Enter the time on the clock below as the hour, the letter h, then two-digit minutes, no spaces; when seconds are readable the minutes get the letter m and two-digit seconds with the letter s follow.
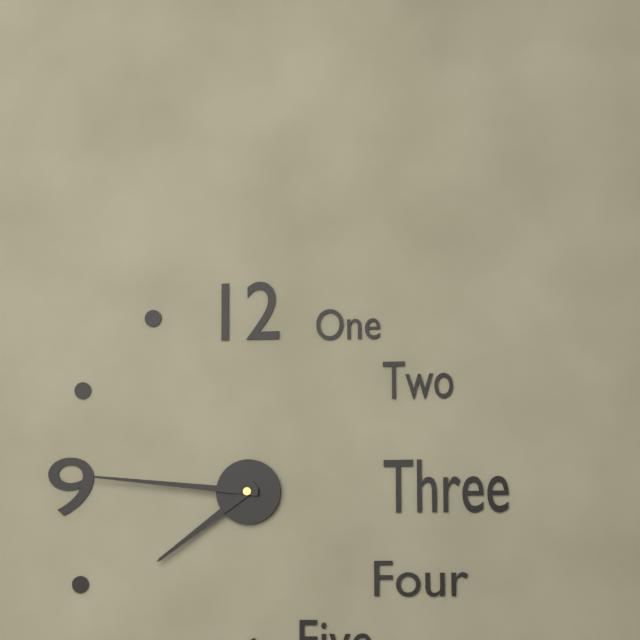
7h46
